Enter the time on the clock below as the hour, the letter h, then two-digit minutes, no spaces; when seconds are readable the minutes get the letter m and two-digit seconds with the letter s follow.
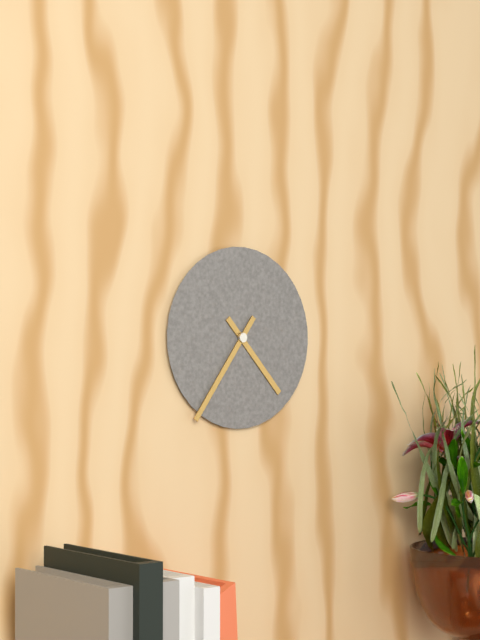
4h36
